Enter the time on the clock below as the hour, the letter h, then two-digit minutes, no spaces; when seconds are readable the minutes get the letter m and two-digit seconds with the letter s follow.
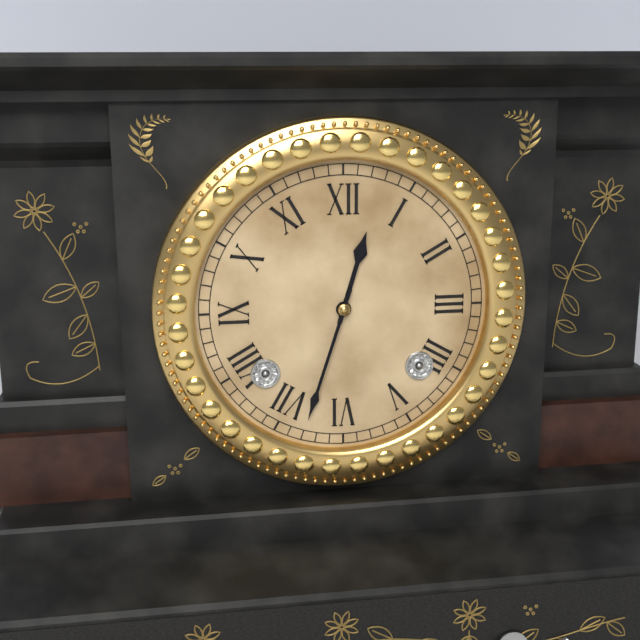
12h33
